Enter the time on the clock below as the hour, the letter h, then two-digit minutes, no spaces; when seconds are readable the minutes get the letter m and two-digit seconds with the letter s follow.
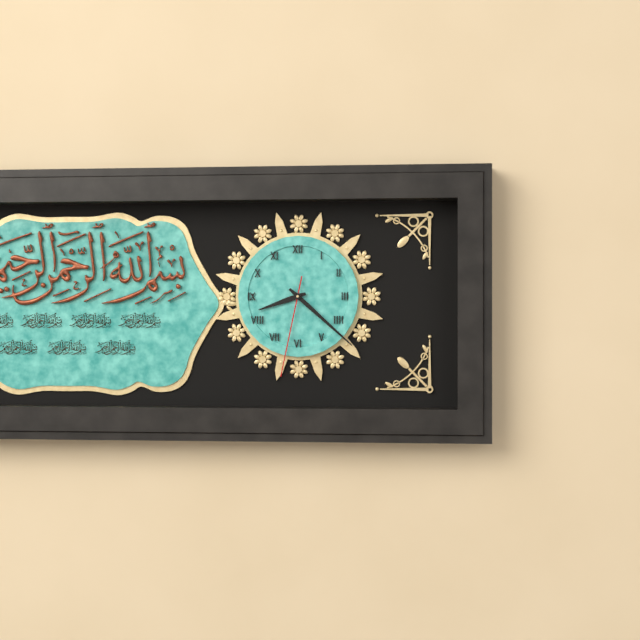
8h22m32s
